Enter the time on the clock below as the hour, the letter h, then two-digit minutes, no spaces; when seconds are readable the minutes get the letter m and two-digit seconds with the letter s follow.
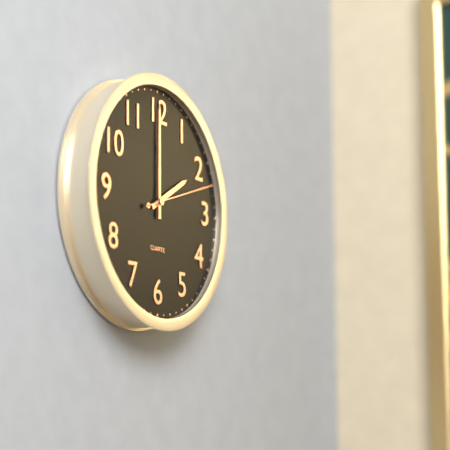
2h00m12s
